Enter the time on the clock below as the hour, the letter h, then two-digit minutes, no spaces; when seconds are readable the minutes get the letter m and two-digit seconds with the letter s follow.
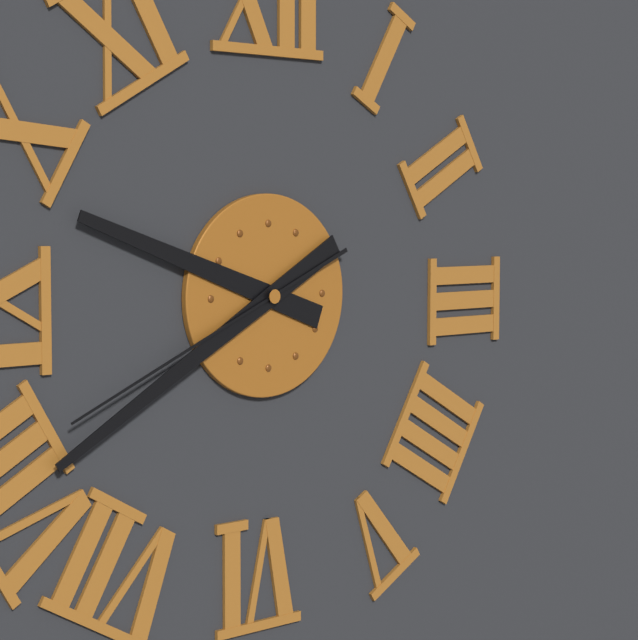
9h40m41s
